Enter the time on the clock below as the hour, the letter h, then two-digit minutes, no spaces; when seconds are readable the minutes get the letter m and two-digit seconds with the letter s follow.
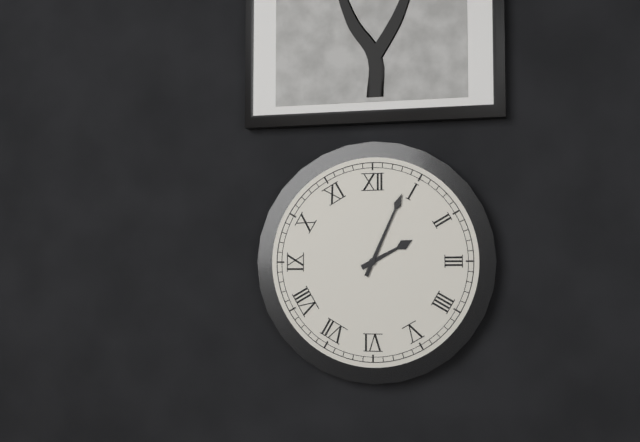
2h04
